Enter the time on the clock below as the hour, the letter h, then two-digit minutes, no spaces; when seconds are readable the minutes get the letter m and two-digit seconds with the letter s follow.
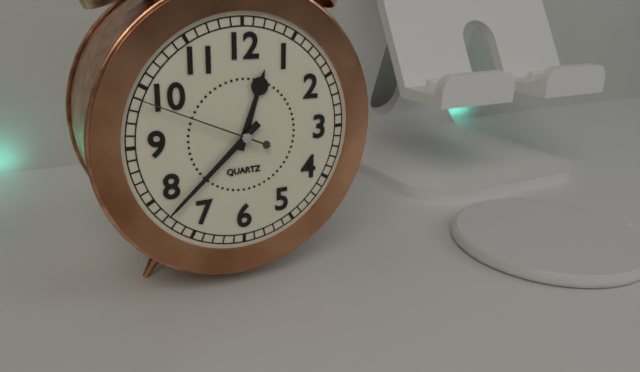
12h38m49s
